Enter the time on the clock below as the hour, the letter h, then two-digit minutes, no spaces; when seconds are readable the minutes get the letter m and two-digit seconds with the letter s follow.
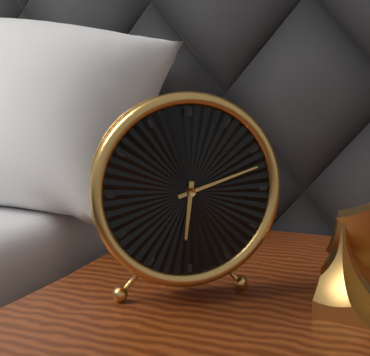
6h12
